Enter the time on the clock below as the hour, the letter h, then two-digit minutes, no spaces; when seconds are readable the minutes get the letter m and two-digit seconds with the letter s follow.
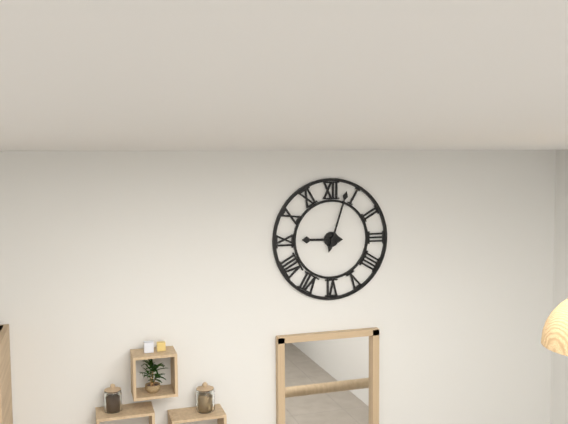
9h03
